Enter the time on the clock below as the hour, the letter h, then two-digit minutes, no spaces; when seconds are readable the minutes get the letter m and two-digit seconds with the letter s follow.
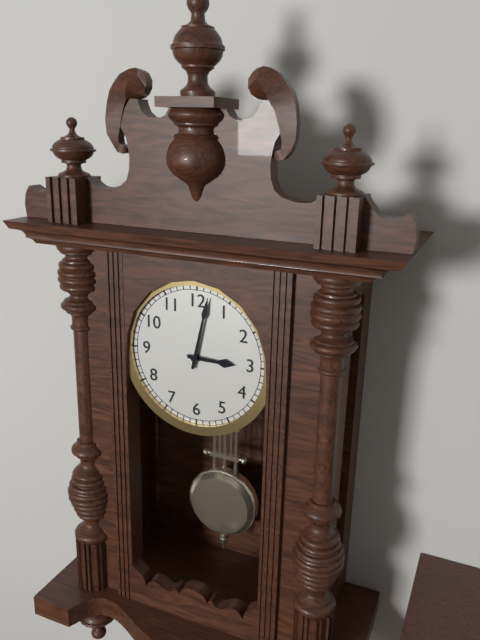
3h02
